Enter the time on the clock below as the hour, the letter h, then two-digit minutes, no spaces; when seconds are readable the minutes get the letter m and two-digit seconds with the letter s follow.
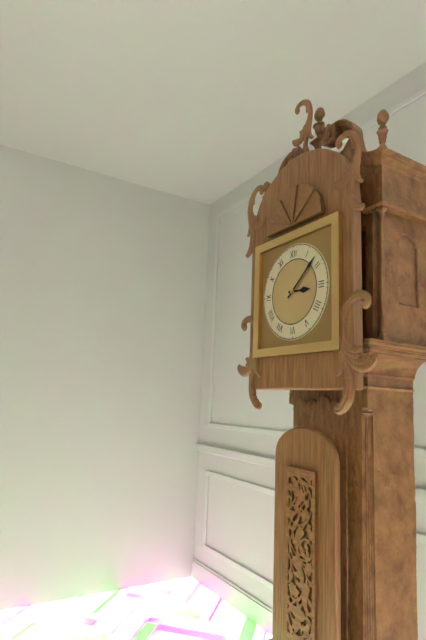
3h08
